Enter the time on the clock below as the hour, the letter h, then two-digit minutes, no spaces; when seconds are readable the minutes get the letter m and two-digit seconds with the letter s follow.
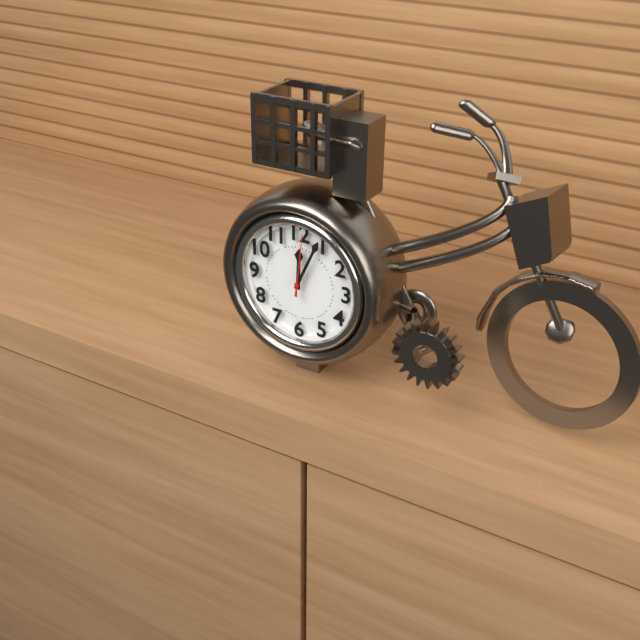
12h04m01s
